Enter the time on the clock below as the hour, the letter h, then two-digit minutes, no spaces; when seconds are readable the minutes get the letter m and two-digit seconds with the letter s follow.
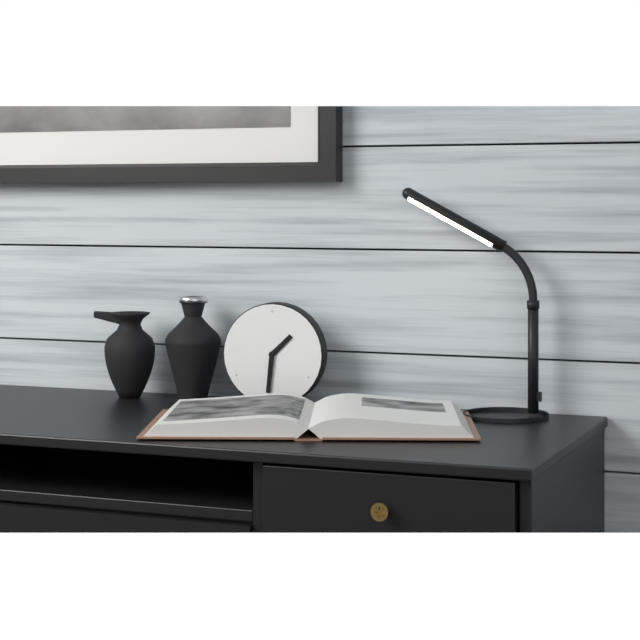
1h31
